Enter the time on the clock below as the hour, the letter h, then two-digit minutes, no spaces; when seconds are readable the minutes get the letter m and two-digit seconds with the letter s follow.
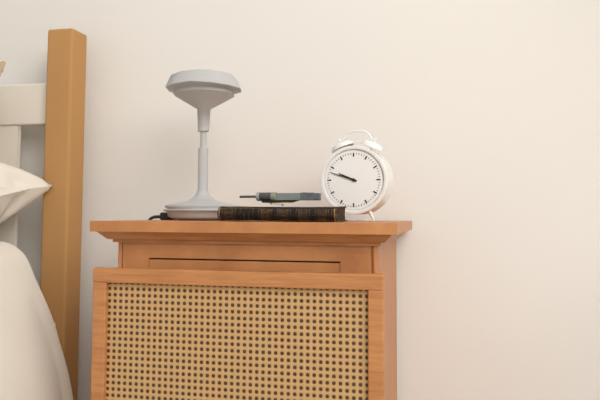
9h48
